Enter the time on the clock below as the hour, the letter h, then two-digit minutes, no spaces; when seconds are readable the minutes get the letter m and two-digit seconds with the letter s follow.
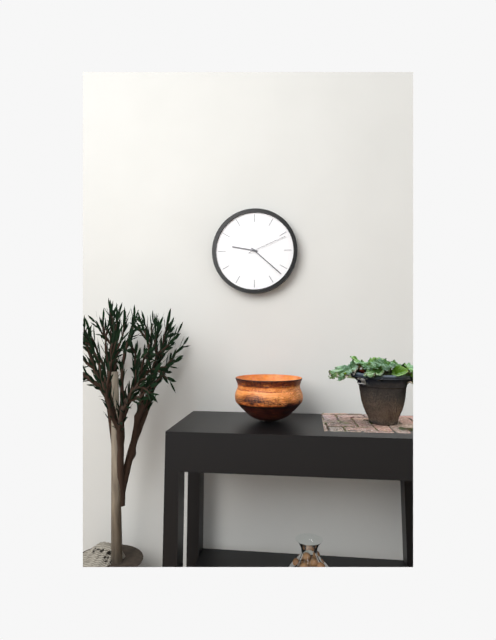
9h22
